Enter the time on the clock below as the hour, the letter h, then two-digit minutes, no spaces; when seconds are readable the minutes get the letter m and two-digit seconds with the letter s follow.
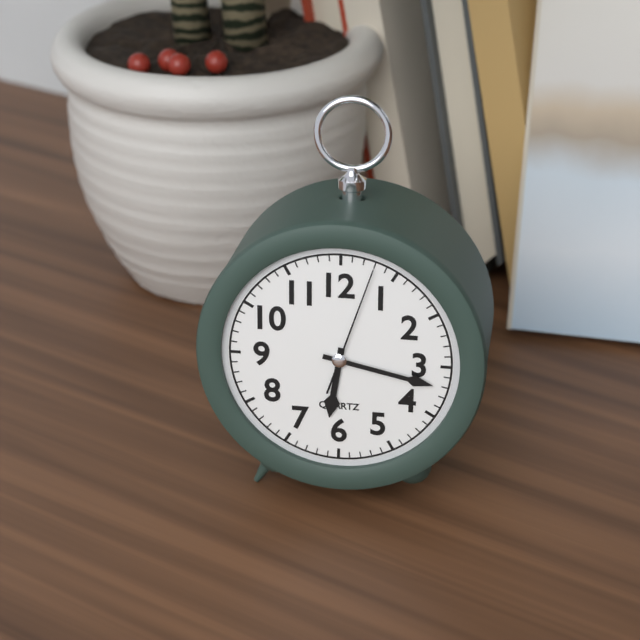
6h17m03s
